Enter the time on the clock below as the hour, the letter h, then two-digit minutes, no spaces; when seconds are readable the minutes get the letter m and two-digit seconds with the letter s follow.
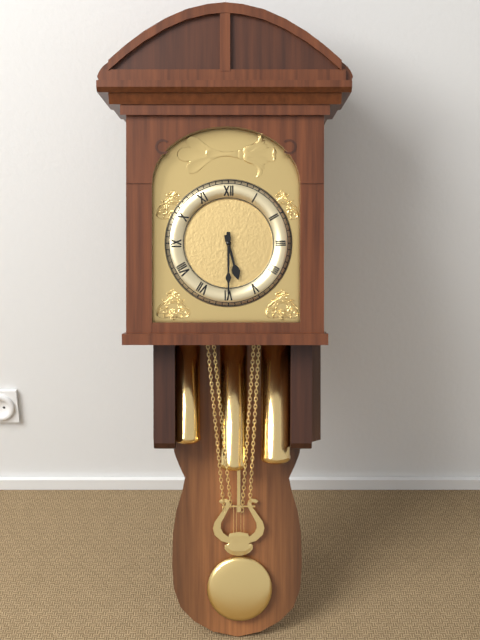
5h30
